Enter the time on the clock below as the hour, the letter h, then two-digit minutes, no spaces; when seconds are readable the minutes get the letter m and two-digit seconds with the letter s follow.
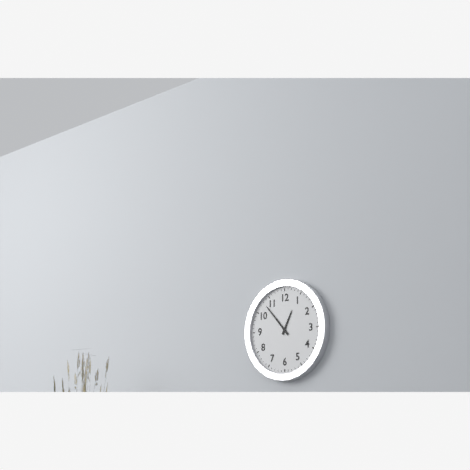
12h53
